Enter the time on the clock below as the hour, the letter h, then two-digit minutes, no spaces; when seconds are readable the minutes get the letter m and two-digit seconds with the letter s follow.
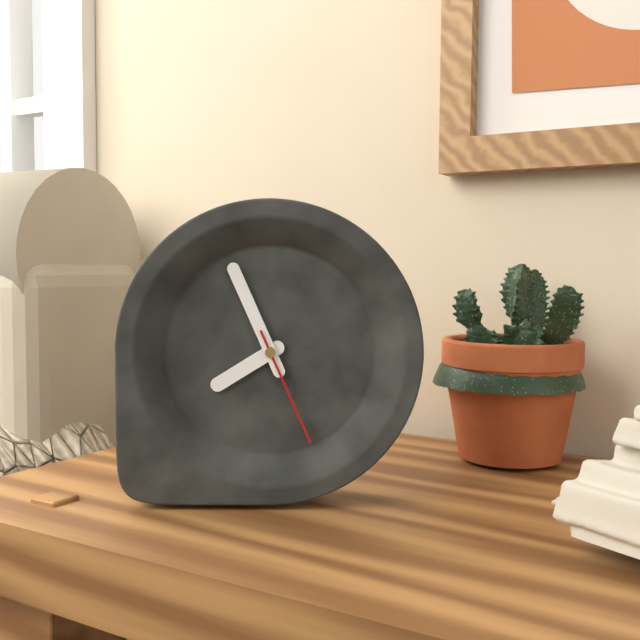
7h56m26s
